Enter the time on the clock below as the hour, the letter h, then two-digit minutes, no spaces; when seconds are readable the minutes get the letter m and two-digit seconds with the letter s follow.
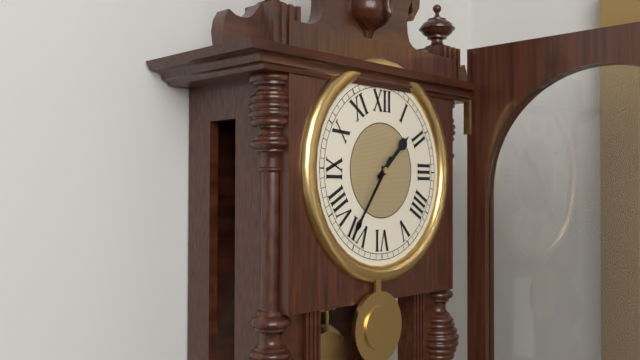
1h36
